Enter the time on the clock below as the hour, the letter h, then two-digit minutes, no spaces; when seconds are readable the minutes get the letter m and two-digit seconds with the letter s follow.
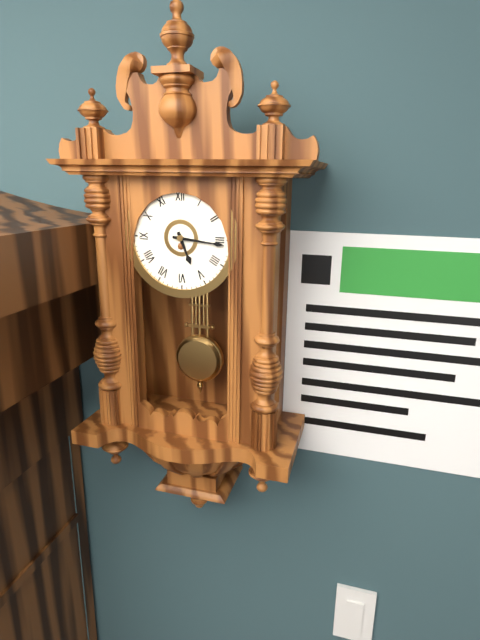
5h16
